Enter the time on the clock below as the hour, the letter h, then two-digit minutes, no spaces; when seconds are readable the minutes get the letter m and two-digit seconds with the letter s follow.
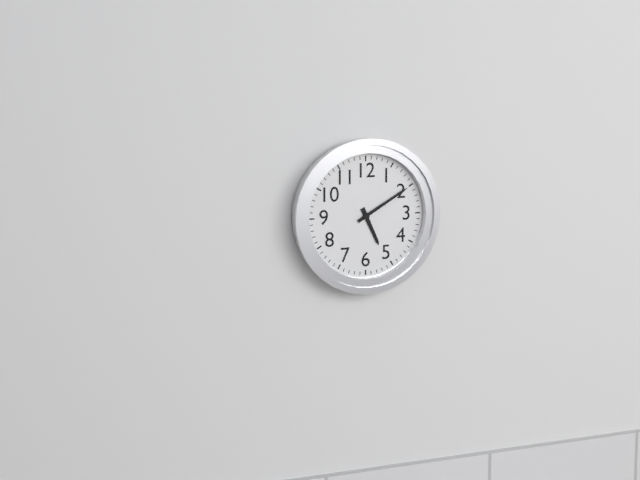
5h10
